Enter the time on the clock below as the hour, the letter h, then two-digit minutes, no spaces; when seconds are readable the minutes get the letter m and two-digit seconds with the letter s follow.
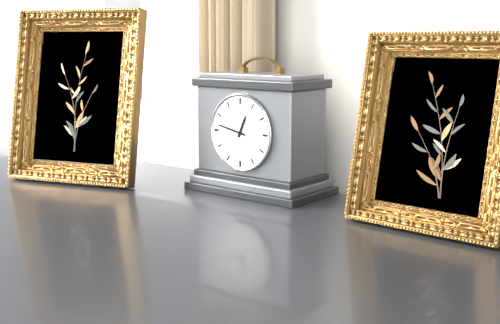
12h47
